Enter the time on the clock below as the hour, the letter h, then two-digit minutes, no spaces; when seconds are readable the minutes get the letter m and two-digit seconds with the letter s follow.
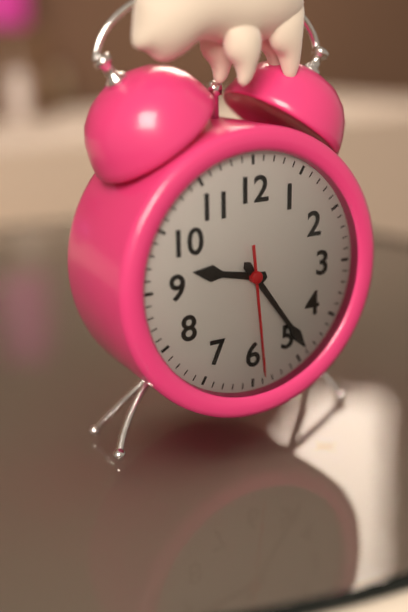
9h24m29s
